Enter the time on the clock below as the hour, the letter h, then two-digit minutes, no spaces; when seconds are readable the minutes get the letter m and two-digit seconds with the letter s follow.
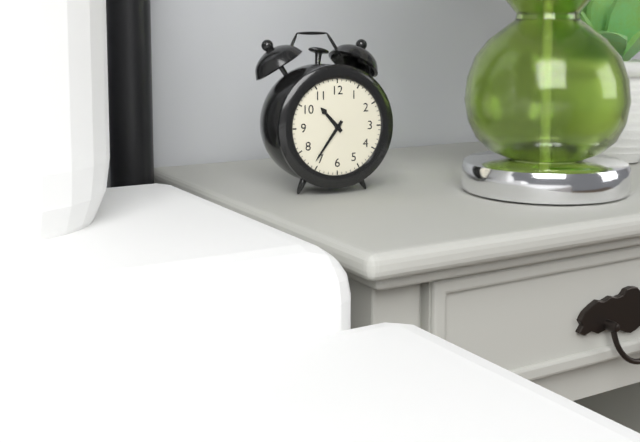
10h36
